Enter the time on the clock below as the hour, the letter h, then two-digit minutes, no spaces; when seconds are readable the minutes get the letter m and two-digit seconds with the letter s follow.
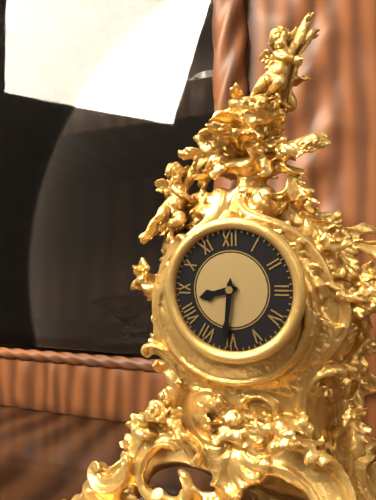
8h31
